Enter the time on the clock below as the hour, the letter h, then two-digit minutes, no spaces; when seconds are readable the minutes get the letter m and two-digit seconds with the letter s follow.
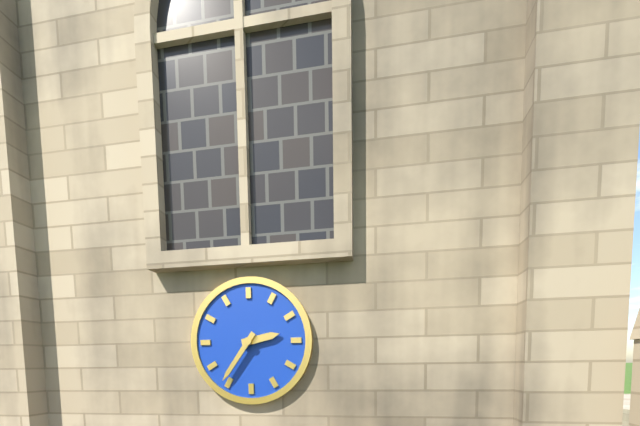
2h36
